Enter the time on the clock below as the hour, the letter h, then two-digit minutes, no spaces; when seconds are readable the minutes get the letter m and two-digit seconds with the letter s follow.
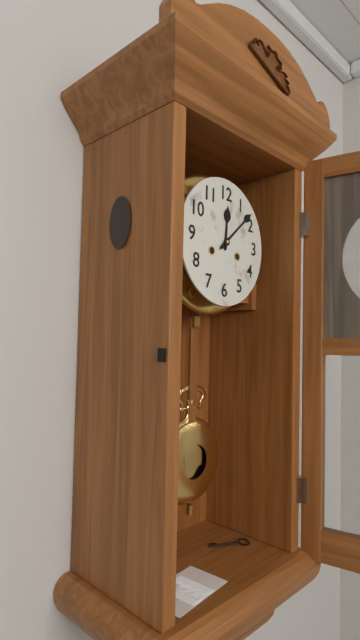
12h08
